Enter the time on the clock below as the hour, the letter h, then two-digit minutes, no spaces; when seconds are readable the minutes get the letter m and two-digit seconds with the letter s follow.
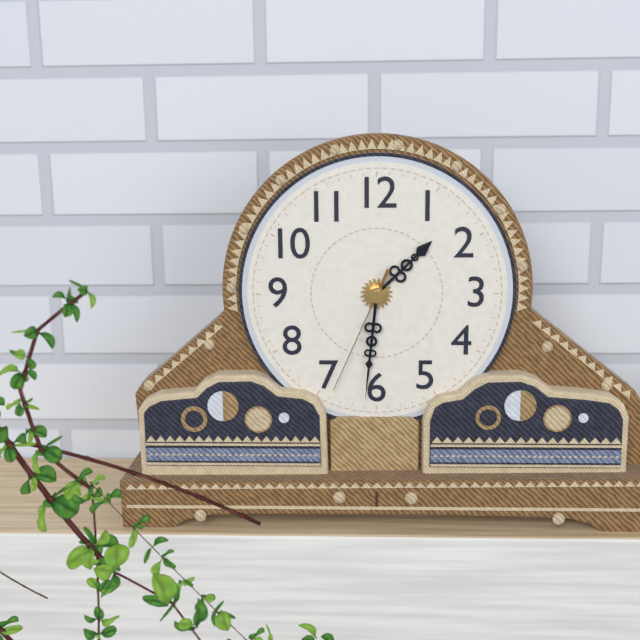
1h31m34s
